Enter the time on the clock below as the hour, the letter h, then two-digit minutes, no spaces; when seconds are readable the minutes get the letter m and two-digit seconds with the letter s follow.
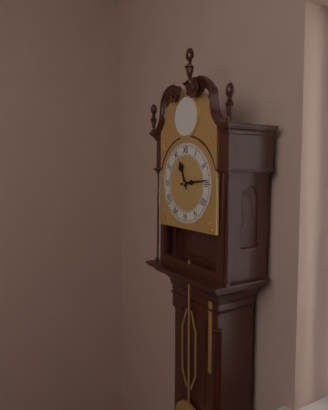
11h14
